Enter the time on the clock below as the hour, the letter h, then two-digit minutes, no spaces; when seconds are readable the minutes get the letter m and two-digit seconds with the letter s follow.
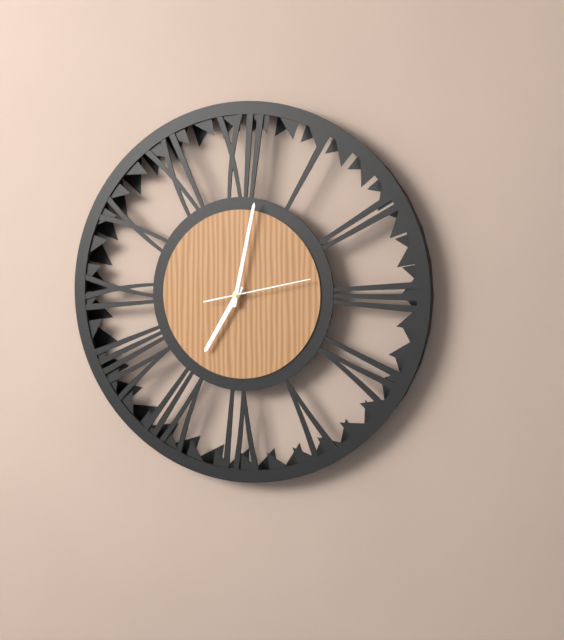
7h02m13s
